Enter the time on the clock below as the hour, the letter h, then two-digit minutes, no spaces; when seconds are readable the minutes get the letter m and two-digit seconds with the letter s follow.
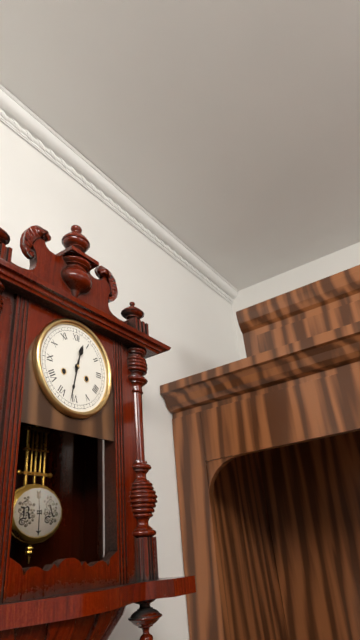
12h32
